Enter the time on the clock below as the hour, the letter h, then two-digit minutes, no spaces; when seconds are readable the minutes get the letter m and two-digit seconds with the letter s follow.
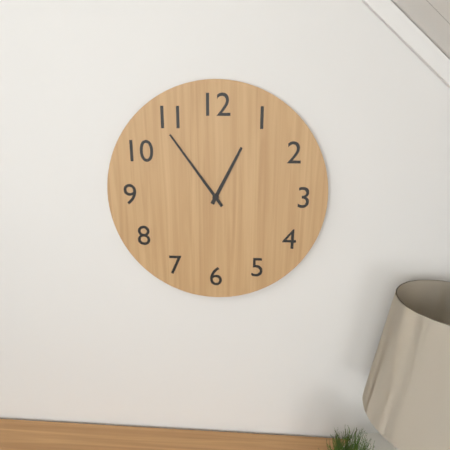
12h54
